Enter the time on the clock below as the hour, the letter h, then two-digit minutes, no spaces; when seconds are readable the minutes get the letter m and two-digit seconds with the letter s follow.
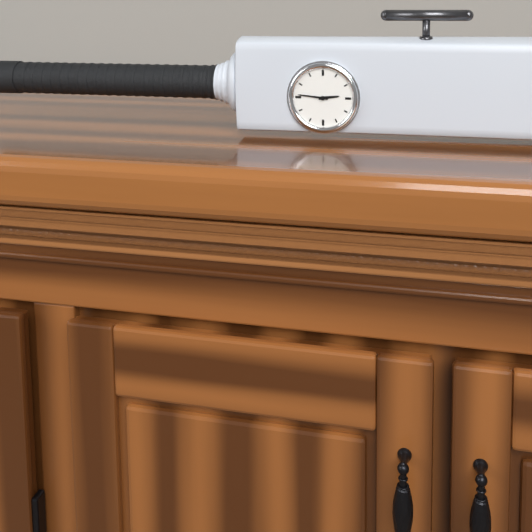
2h46
